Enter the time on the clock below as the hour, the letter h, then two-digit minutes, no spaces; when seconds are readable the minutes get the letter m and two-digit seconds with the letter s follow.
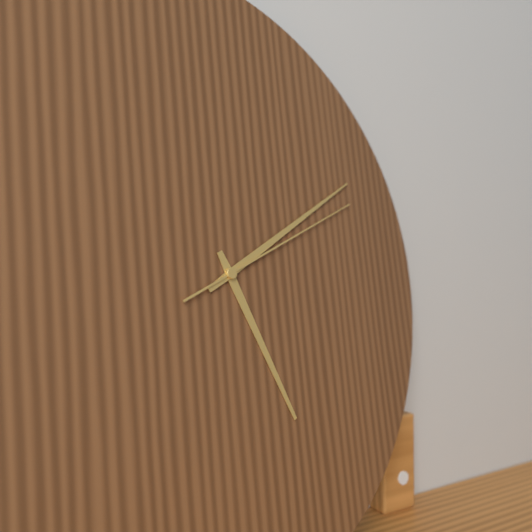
5h10m11s
